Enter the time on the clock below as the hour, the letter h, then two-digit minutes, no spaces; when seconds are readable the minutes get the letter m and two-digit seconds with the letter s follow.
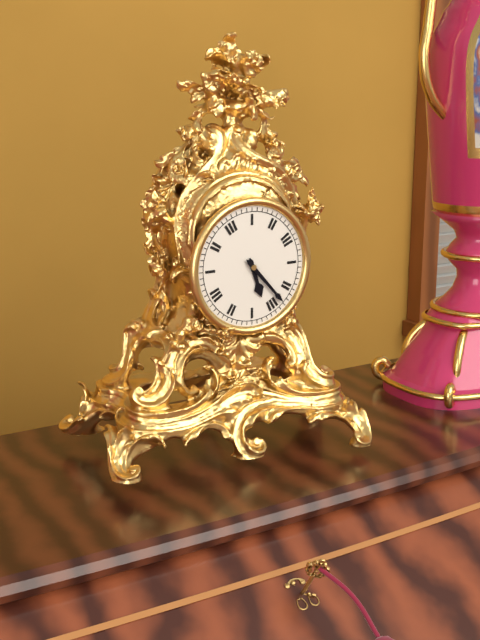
5h23
